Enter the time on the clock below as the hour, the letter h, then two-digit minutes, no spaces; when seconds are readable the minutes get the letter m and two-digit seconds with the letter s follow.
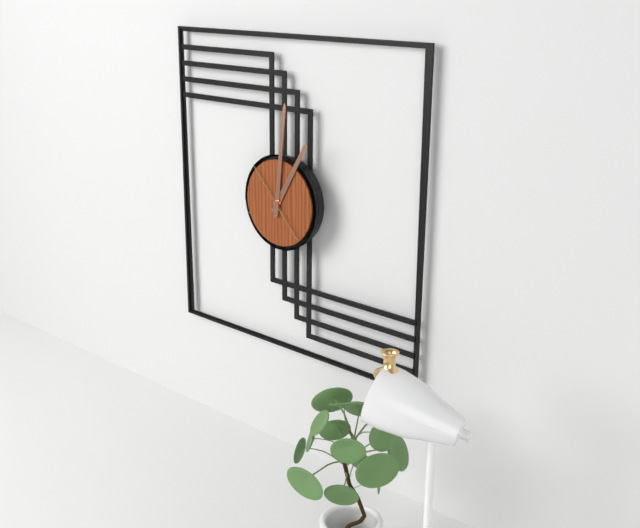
1h01m53s
